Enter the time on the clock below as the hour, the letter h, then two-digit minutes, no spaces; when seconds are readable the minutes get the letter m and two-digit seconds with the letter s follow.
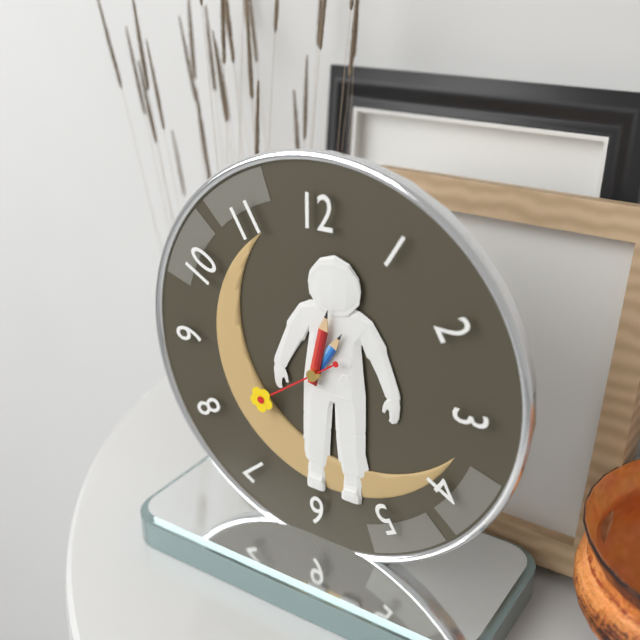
1h02m39s
